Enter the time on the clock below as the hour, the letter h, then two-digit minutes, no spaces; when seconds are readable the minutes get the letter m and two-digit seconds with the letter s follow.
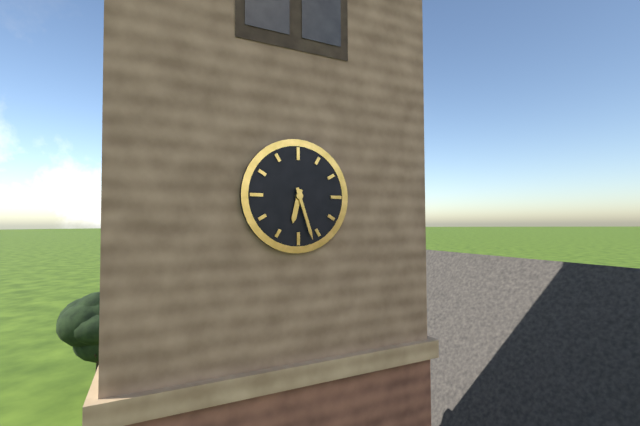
6h27
